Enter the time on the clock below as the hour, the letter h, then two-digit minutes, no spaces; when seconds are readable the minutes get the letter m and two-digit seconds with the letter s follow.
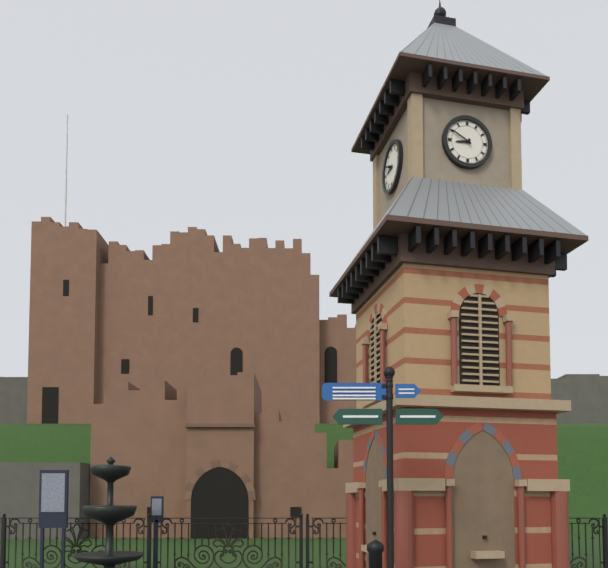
8h50
